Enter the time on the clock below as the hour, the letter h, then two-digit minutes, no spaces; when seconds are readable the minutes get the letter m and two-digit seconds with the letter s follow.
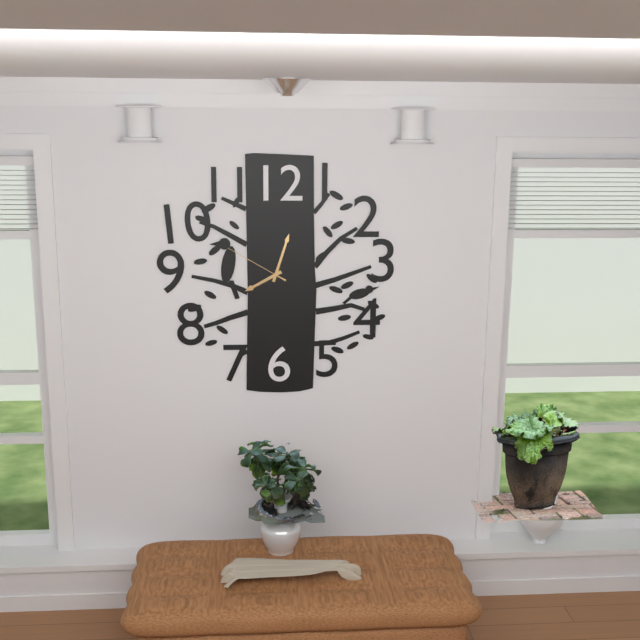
8h03m50s
